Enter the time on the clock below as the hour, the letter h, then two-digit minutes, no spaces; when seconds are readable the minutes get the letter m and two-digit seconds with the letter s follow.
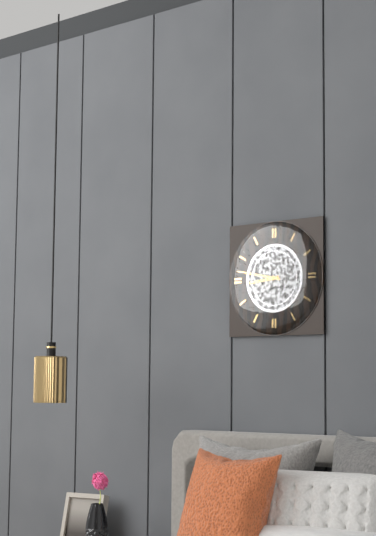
8h47
